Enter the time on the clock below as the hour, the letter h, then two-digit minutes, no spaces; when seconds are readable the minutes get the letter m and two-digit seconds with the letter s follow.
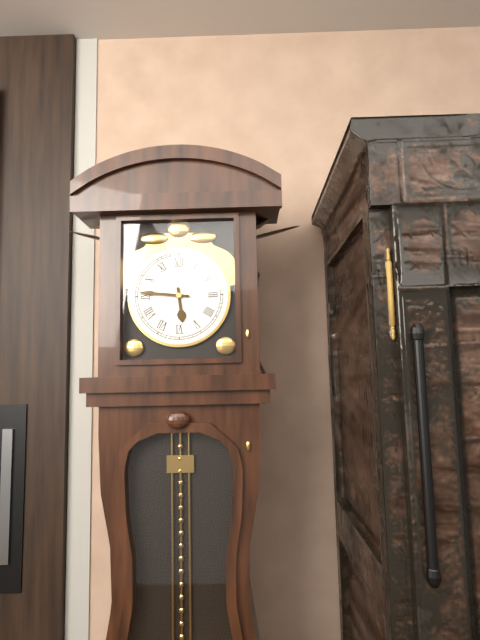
5h46
